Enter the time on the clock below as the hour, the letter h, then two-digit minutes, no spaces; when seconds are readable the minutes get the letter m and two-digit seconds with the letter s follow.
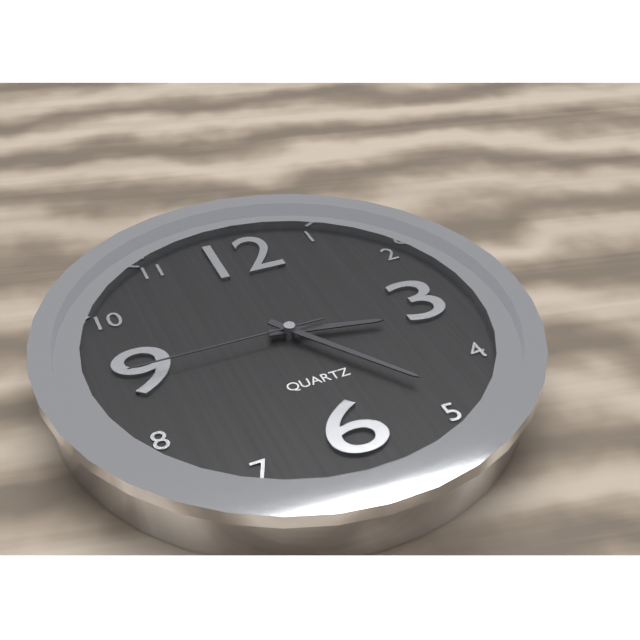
3h24m45s
